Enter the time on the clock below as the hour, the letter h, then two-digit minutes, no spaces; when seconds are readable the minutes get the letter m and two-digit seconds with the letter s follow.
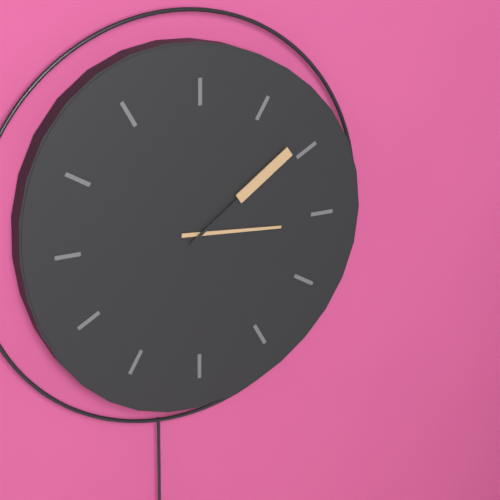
3h09
